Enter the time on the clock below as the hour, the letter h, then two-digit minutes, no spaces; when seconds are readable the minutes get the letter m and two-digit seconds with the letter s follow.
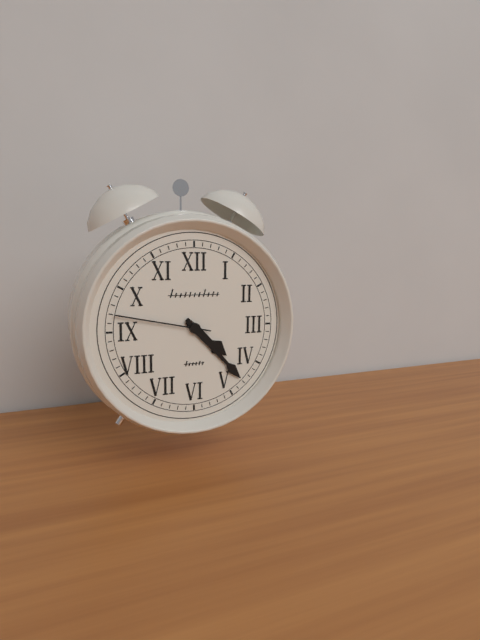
4h23m47s
